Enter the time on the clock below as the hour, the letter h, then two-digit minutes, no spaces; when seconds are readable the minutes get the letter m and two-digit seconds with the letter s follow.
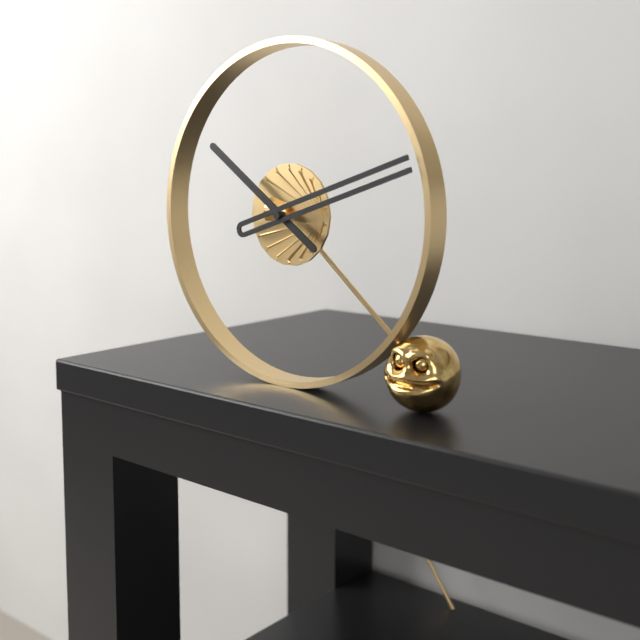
10h12
